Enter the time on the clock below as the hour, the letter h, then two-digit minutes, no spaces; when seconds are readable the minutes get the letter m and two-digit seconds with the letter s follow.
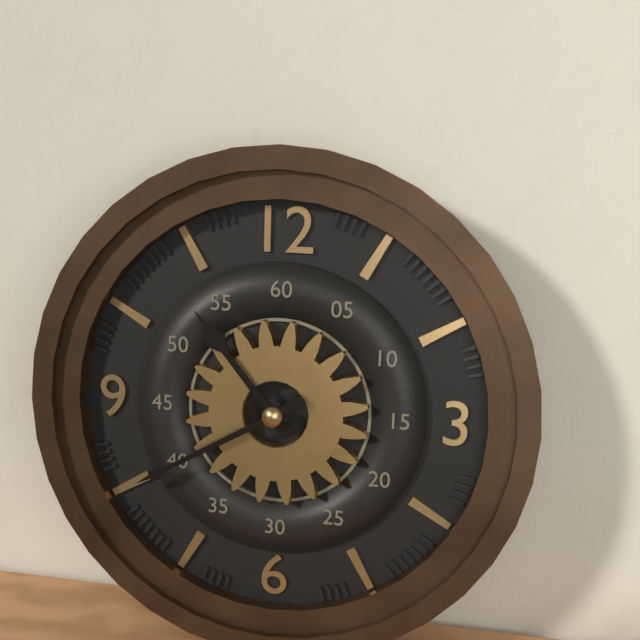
10h40
